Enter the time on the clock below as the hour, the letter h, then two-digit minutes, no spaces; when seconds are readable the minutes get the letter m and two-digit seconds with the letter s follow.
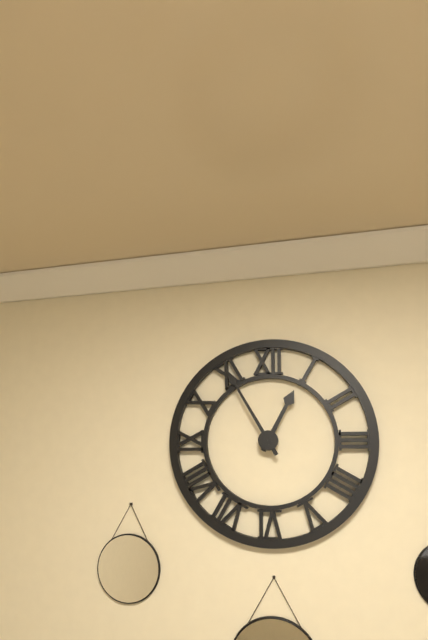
12h55
